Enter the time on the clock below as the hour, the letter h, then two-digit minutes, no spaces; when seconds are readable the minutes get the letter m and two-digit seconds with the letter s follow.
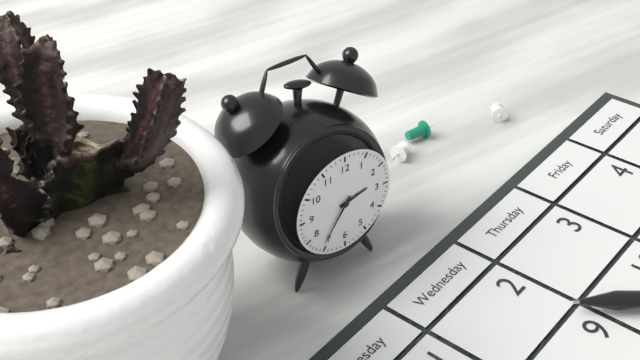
2h36
